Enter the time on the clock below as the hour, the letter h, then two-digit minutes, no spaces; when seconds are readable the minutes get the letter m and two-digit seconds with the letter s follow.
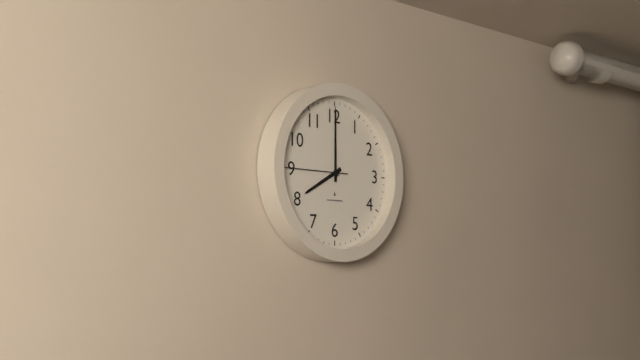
8h00m45s
